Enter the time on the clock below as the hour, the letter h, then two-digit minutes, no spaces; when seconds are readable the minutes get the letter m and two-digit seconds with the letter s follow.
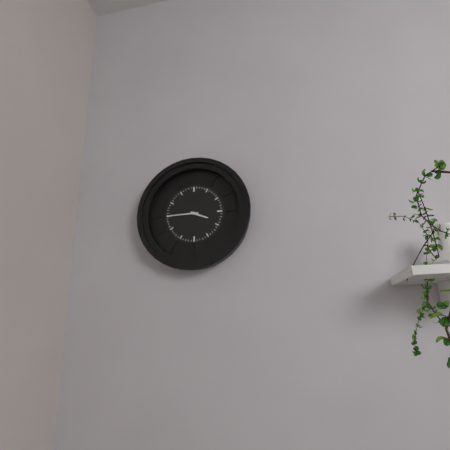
3h45
